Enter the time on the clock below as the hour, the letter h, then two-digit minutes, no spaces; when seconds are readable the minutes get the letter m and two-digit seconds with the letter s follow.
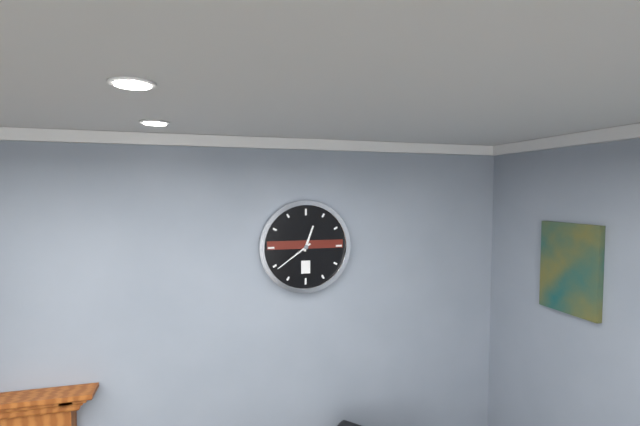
12h39
